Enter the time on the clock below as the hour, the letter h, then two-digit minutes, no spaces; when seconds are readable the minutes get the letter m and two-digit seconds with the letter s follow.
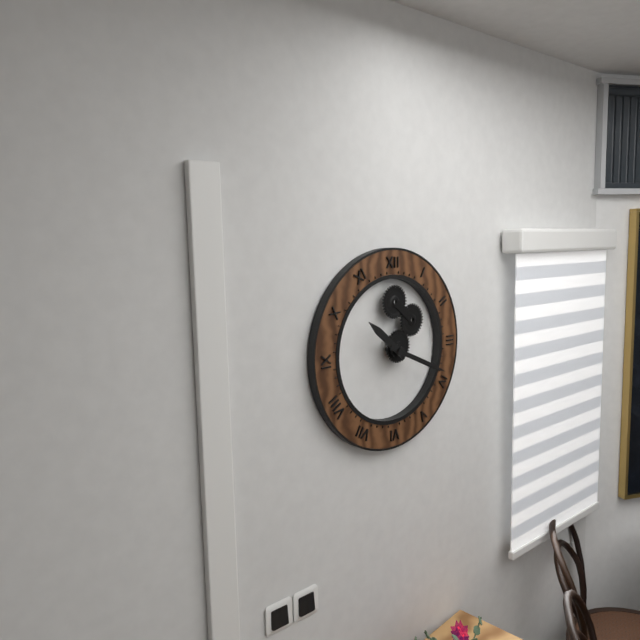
10h19
